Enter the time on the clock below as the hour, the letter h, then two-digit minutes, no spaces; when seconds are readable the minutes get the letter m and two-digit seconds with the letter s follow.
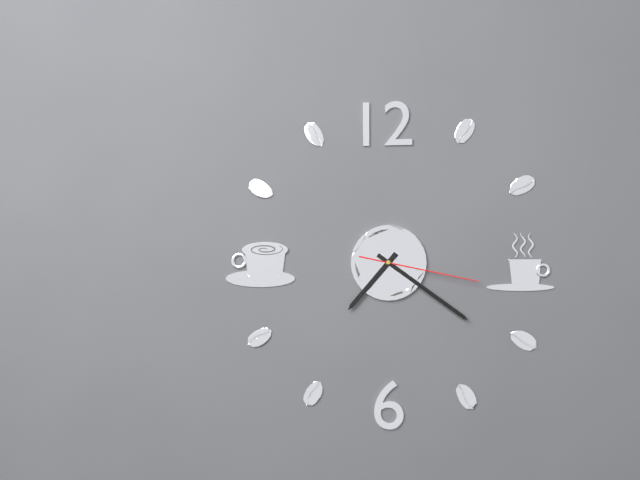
7h21m17s
